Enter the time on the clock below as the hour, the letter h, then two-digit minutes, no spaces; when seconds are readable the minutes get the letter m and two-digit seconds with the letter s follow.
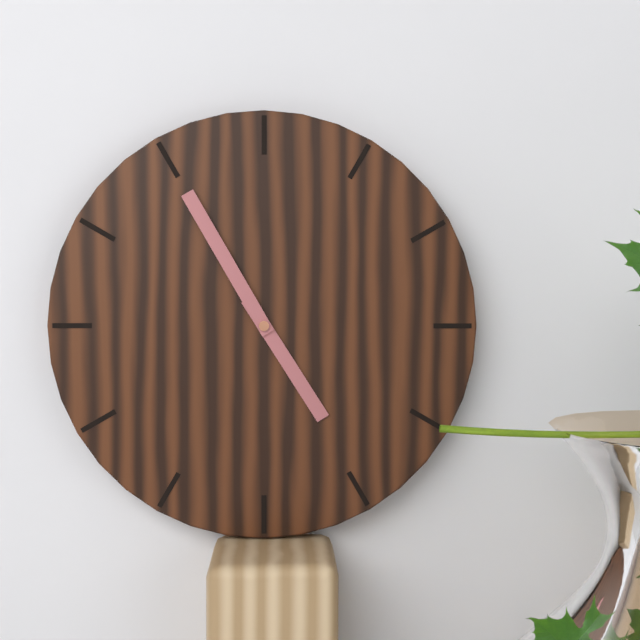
4h55
